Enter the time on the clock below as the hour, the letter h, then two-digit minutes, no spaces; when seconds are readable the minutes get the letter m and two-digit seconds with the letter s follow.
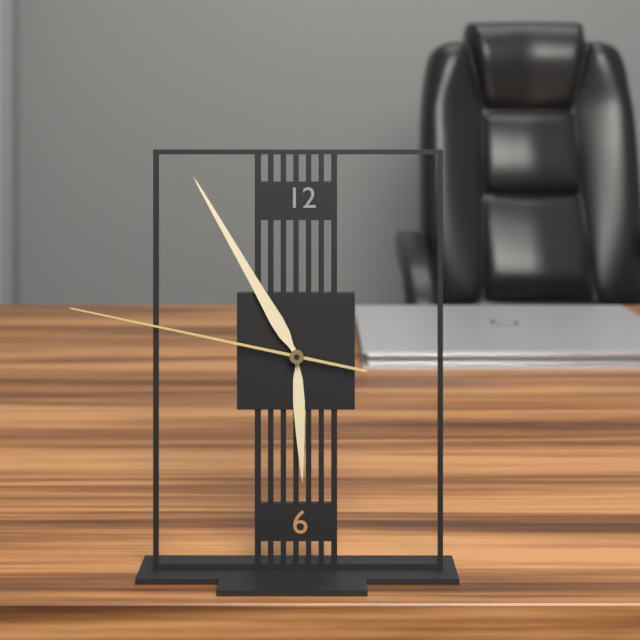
5h55m47s
